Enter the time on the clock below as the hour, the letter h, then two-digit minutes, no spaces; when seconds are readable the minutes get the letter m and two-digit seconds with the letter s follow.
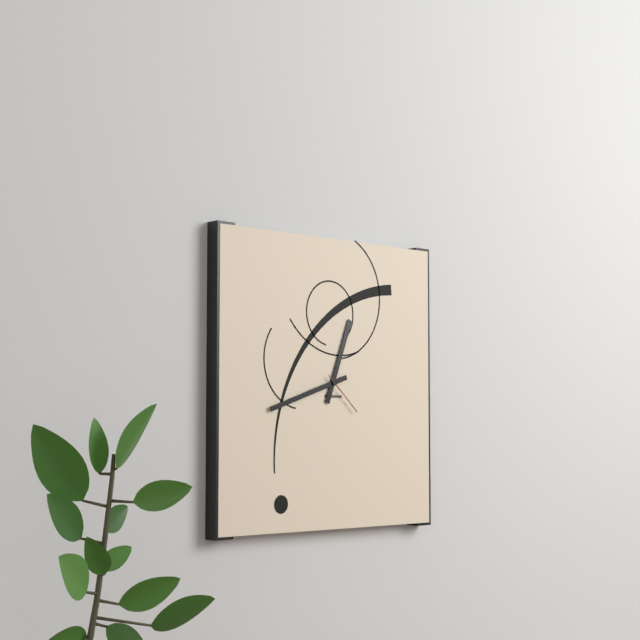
12h42
